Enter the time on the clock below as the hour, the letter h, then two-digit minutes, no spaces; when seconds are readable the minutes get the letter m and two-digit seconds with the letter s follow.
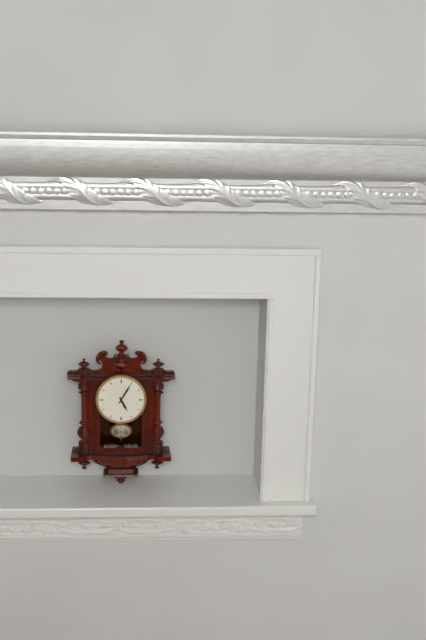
5h05
